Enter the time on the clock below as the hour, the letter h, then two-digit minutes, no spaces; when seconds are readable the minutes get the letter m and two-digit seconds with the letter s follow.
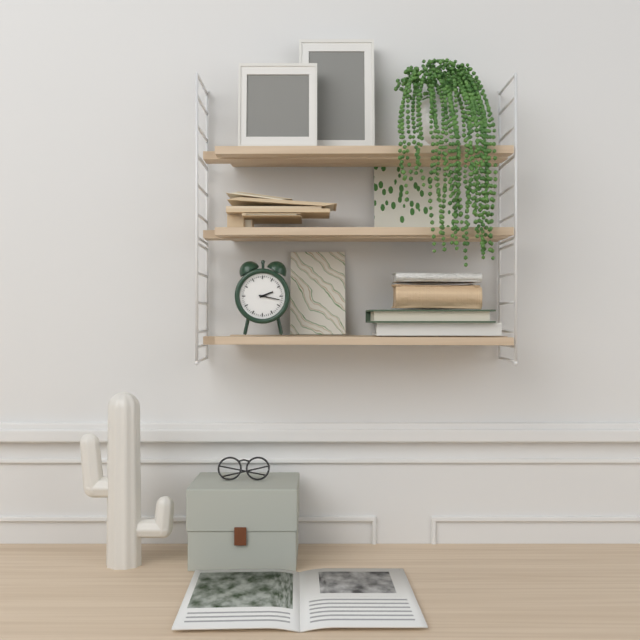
2h17
